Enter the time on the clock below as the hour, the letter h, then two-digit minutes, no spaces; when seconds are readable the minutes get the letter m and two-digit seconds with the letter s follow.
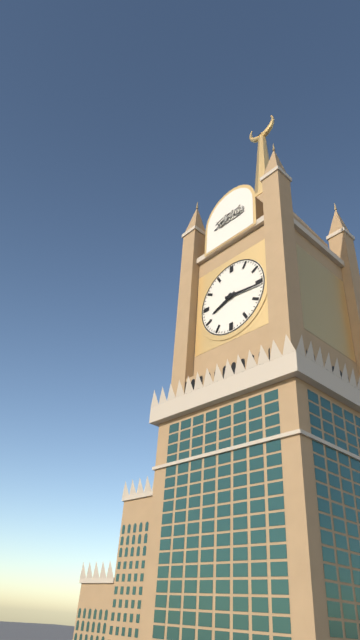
8h16
